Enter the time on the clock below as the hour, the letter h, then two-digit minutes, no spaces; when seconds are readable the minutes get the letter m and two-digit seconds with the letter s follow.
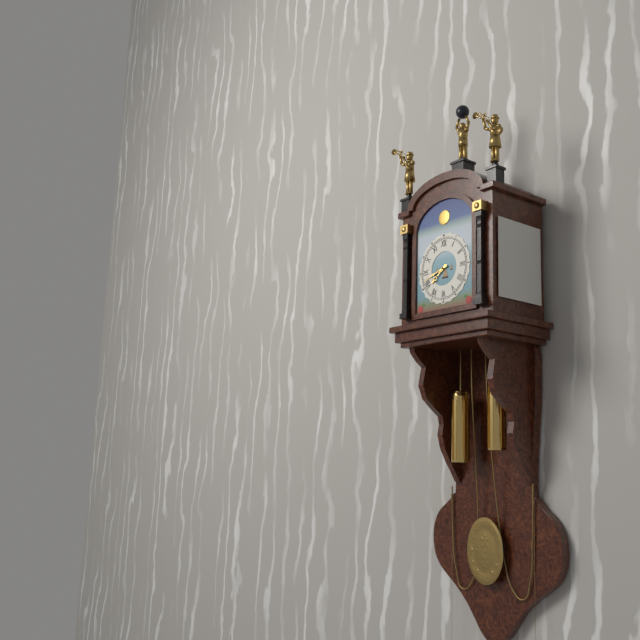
7h42
